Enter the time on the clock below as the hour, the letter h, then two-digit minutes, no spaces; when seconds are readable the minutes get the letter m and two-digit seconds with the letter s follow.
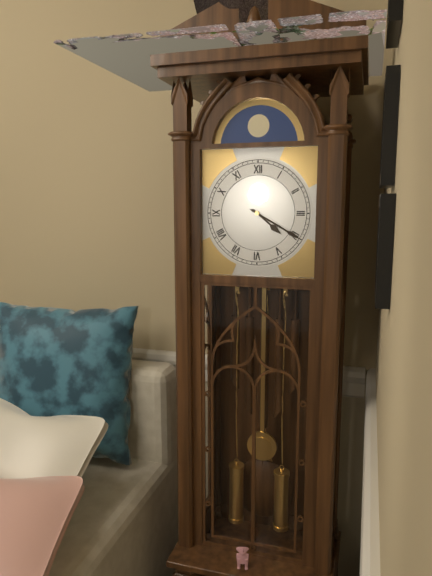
4h20
